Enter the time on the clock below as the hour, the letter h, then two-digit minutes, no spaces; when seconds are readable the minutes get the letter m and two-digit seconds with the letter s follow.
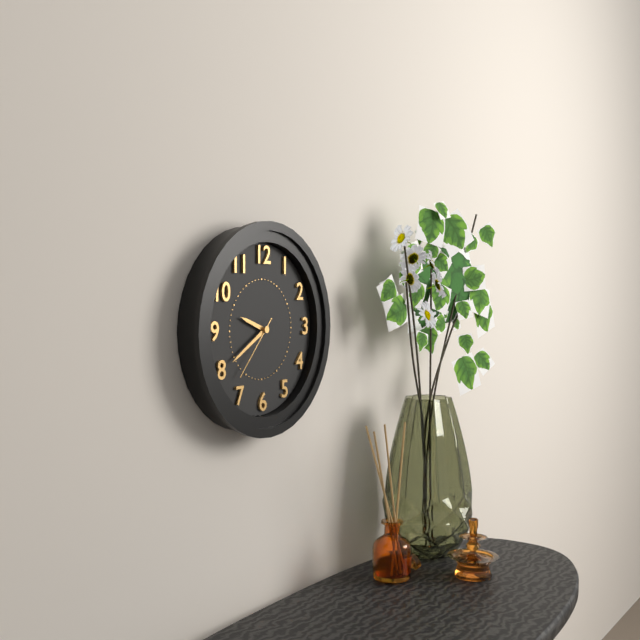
9h40m37s
